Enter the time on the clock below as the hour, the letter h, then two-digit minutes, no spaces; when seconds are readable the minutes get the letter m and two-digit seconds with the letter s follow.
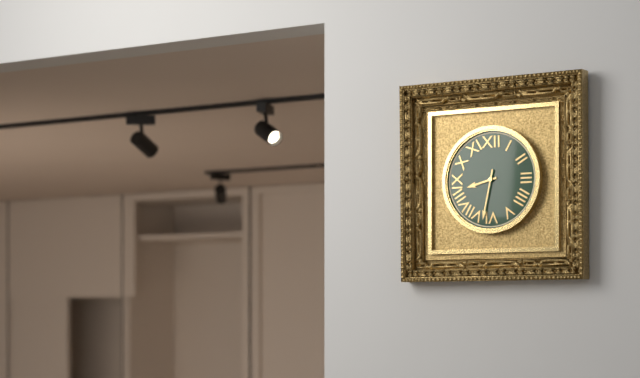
8h32
